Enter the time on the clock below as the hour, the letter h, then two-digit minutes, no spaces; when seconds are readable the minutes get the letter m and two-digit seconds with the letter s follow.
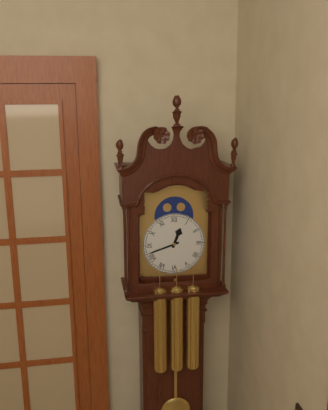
12h42
